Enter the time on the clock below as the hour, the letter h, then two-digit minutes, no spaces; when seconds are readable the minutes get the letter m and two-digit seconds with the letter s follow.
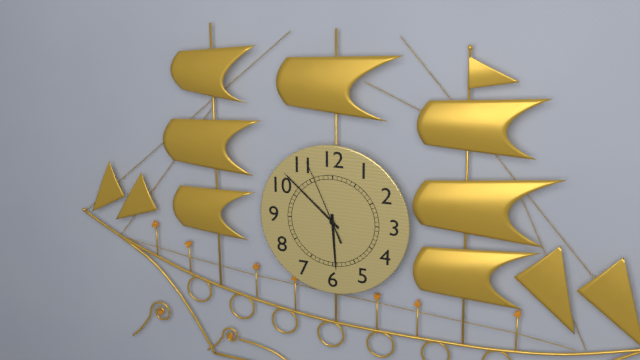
5h52m56s
